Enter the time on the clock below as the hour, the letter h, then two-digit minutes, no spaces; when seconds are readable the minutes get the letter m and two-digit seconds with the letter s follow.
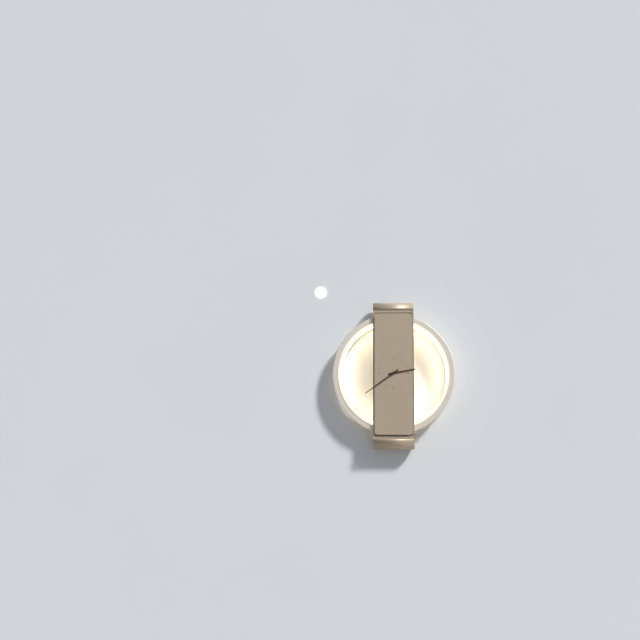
2h39
